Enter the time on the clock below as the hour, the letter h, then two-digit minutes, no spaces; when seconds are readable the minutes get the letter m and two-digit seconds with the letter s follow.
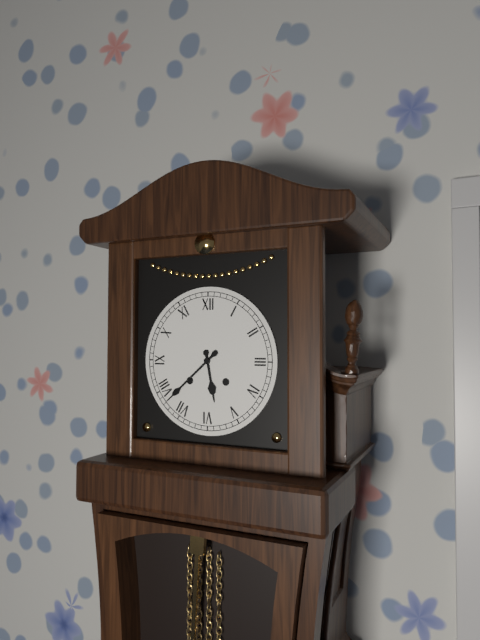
5h38
